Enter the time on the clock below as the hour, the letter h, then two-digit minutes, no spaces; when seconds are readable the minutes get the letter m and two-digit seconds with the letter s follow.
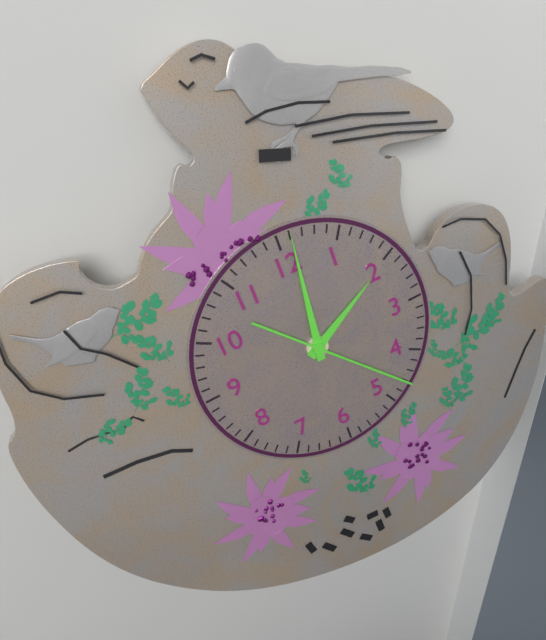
2h01m23s
